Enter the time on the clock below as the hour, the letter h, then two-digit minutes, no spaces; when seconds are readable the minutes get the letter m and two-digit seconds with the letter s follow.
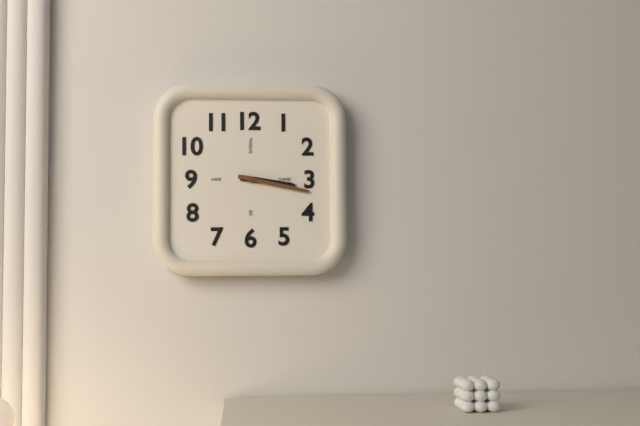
3h17
